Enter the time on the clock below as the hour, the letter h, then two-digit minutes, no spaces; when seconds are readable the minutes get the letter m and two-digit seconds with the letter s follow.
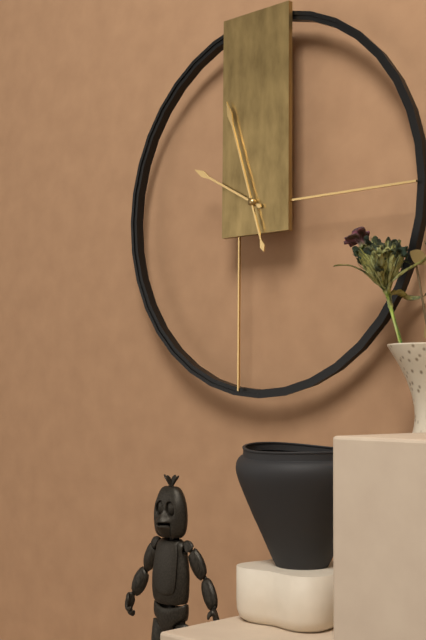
9h57
